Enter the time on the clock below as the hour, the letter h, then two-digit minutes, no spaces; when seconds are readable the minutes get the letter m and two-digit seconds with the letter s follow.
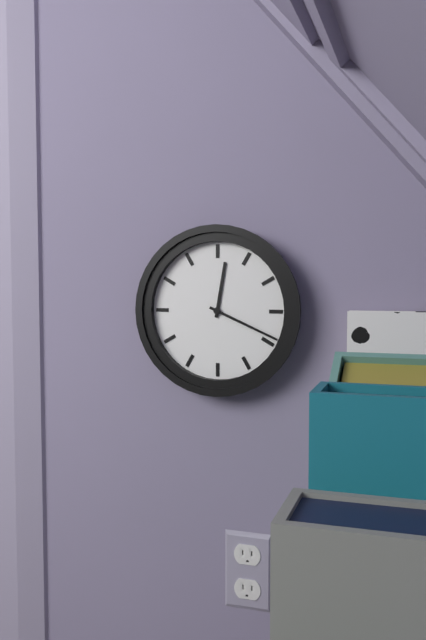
12h19
